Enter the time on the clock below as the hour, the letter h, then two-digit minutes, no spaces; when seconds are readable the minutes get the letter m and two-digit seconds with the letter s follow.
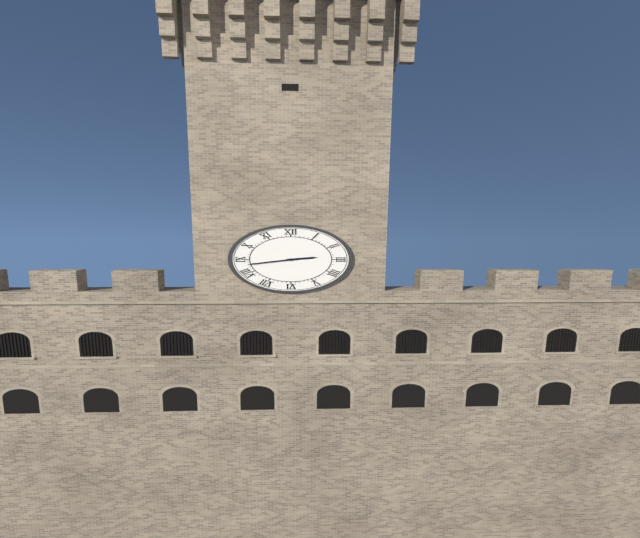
2h43
